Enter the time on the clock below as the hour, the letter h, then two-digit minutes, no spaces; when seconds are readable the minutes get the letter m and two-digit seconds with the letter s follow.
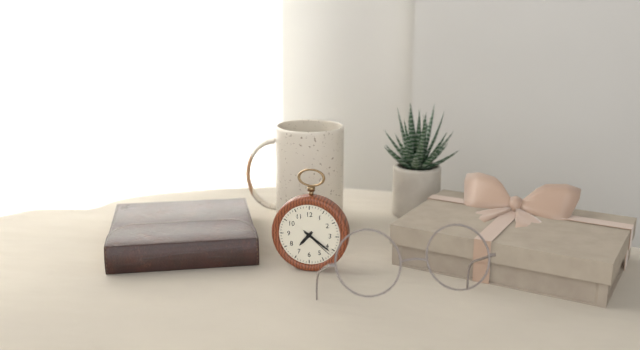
7h21
